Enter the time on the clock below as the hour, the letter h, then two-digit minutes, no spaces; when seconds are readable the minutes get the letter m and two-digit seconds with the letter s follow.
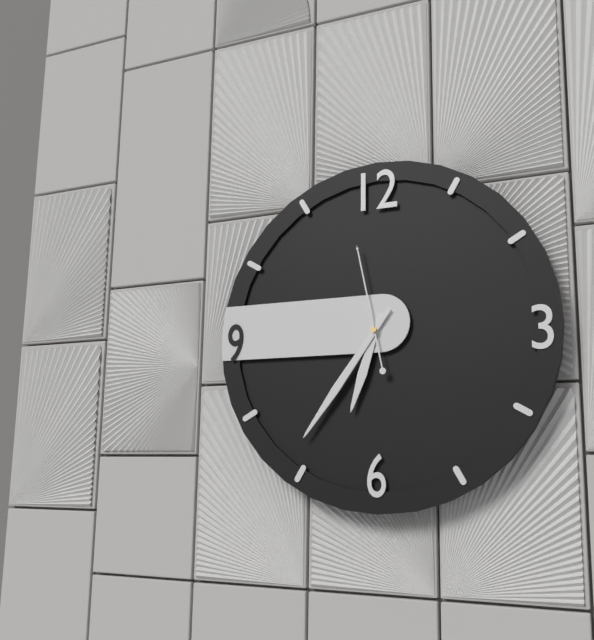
6h36m58s
